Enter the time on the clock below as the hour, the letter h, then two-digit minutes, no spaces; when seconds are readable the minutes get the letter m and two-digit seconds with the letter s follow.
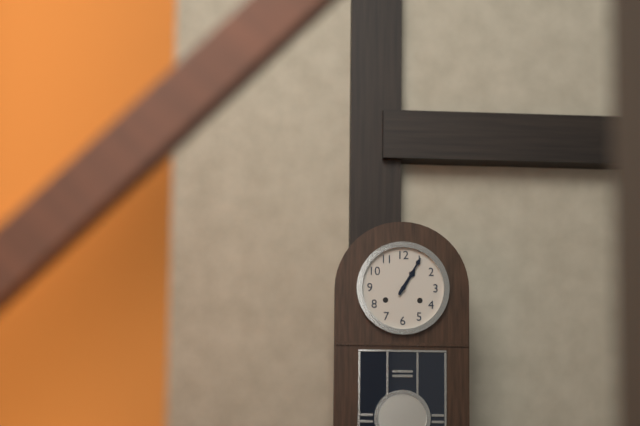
1h05
